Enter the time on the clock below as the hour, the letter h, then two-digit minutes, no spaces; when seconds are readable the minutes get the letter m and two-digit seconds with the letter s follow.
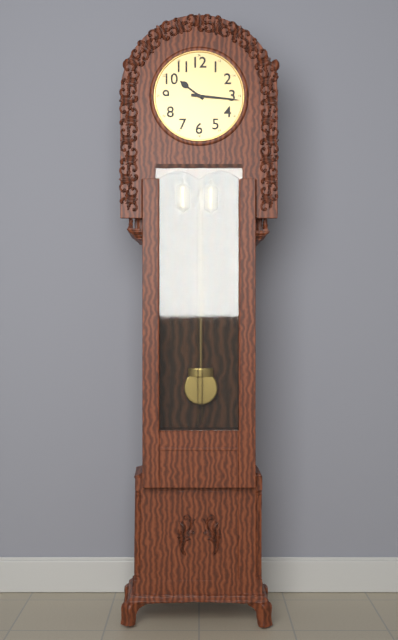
10h16
